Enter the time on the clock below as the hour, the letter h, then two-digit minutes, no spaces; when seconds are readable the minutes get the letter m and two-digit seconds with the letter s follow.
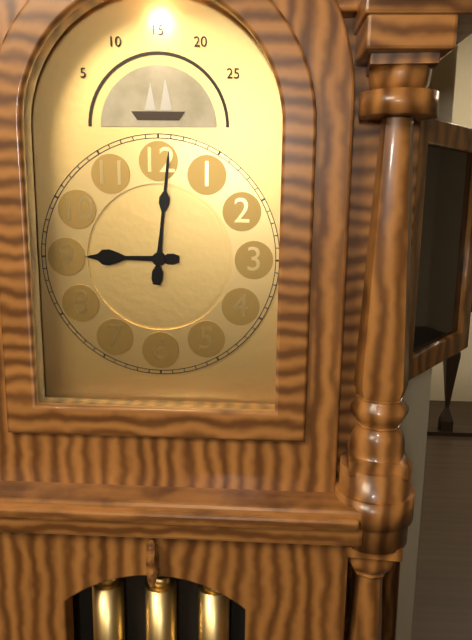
9h01
